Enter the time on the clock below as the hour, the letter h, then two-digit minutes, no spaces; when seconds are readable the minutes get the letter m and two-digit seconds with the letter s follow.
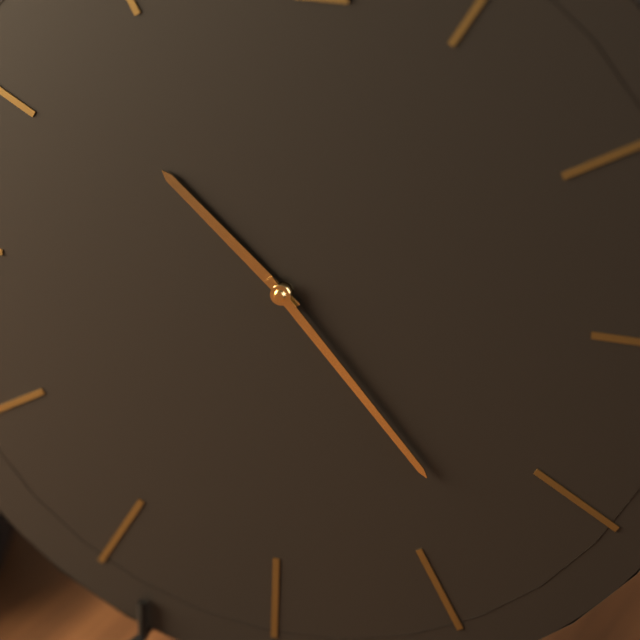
10h23
